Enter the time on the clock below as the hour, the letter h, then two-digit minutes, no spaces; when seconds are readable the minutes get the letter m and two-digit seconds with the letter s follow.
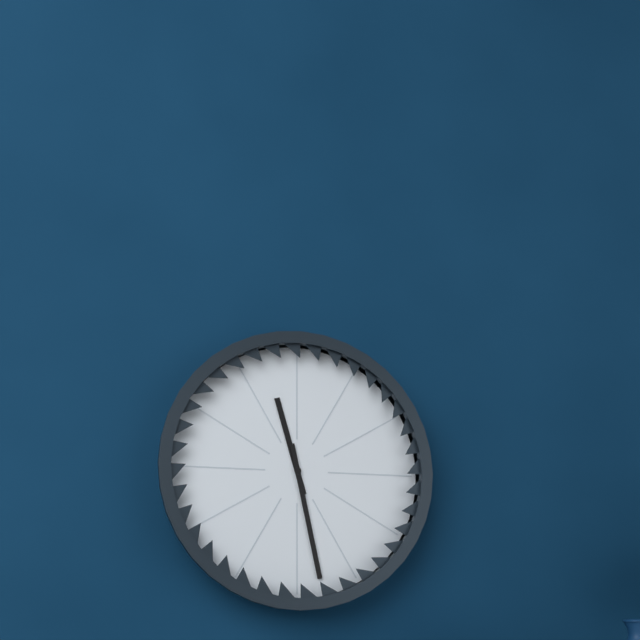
11h28
